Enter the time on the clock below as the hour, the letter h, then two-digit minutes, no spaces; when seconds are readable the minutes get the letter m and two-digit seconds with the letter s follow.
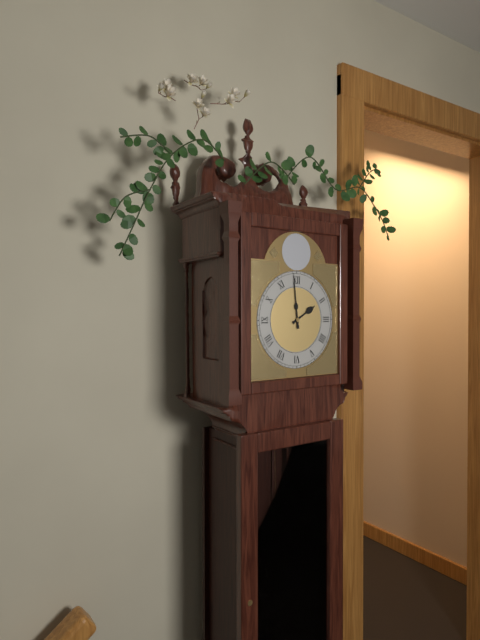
1h59
